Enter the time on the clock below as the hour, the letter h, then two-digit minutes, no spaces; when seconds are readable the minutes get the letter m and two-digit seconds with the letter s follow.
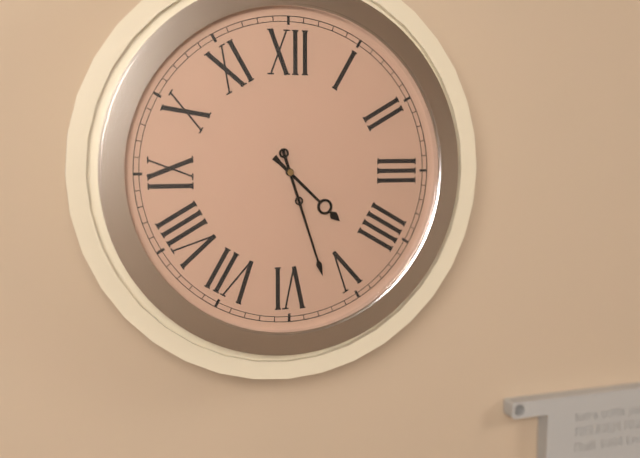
4h27
